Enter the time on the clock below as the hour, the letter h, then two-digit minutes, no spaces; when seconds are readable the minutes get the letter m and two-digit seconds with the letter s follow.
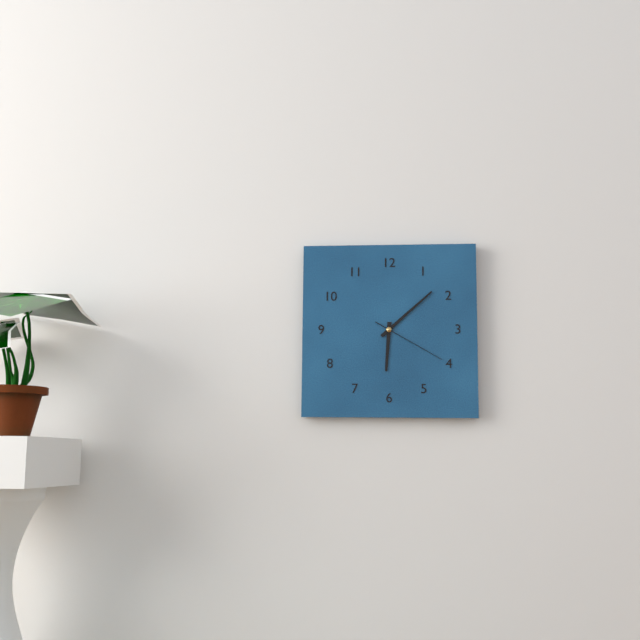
6h08m20s
